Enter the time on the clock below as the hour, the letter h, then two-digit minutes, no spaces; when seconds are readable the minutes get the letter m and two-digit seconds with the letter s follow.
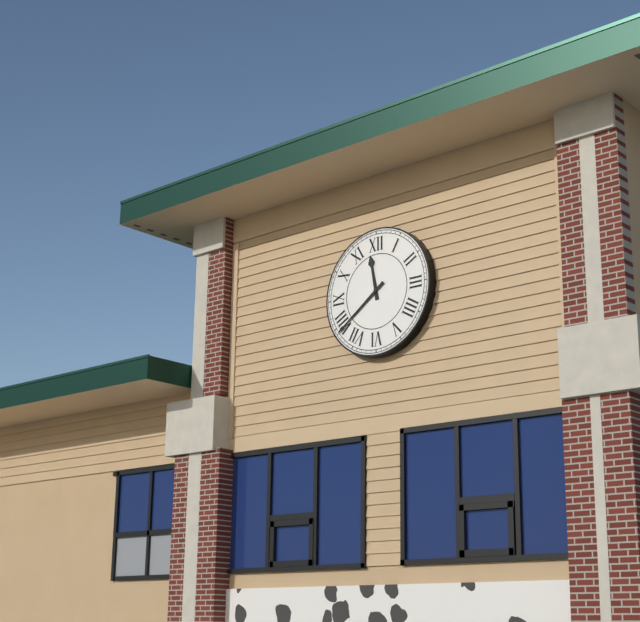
11h39
